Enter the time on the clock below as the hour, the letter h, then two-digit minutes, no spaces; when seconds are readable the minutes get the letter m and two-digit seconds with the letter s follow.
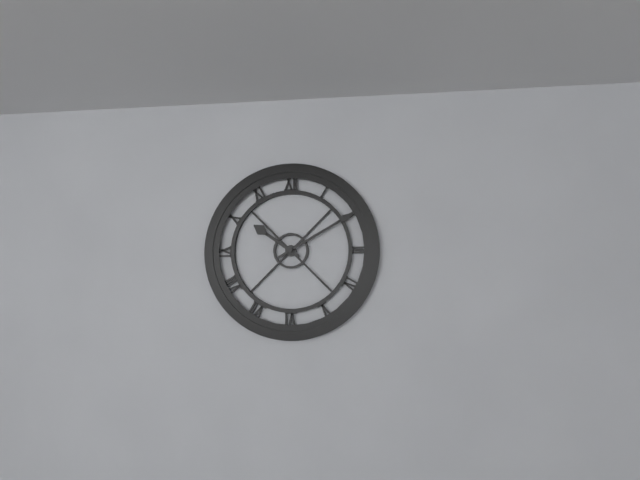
10h10
